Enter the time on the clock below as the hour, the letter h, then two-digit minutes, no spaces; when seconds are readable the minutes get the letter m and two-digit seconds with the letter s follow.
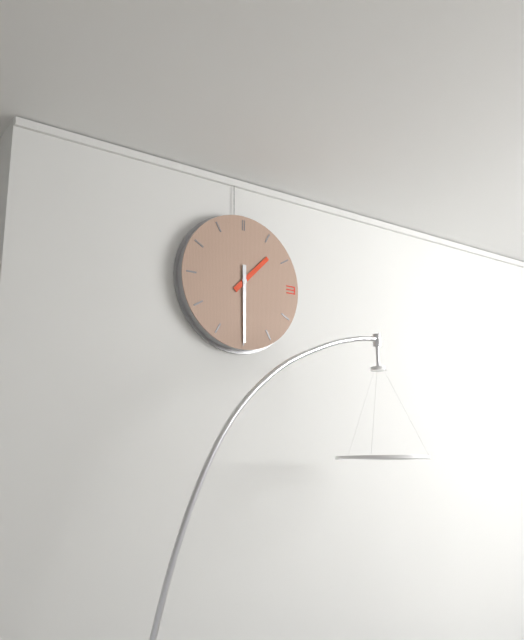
1h30
